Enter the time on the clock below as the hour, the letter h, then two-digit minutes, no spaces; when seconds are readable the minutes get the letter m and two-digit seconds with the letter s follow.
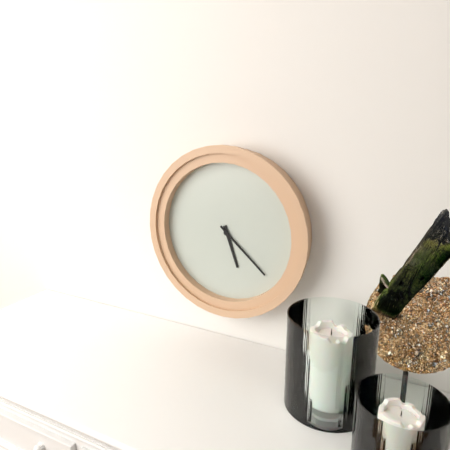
5h22
